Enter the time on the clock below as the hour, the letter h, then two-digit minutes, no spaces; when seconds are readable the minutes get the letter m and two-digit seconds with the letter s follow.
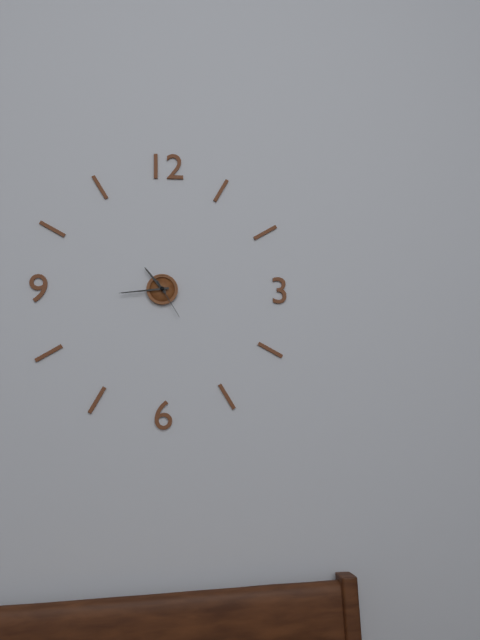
10h44
